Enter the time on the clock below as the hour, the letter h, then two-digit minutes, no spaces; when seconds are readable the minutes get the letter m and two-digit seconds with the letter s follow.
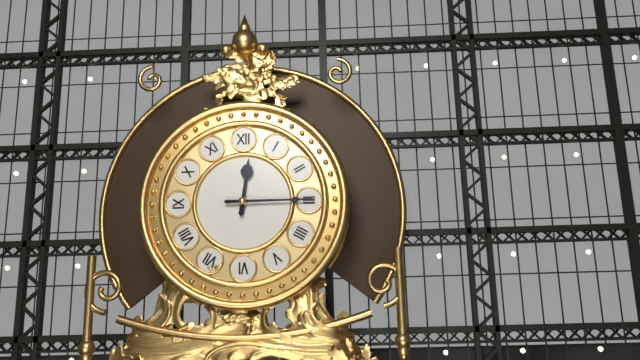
12h15
